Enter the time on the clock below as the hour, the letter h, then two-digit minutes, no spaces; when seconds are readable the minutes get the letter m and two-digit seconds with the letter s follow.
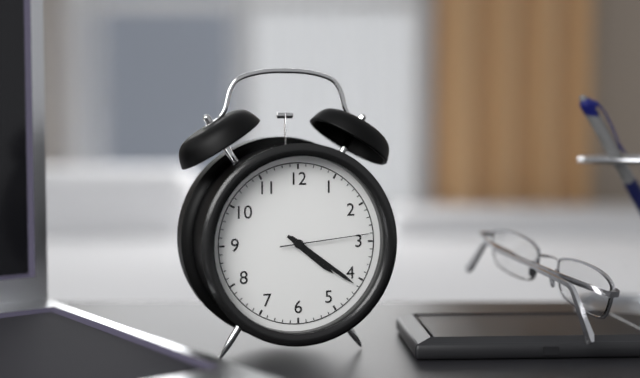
4h21m14s
